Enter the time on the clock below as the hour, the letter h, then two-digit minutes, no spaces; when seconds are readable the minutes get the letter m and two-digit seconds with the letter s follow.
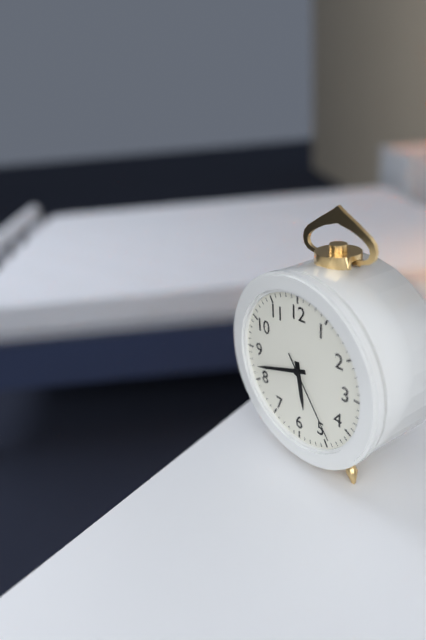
5h42m24s
